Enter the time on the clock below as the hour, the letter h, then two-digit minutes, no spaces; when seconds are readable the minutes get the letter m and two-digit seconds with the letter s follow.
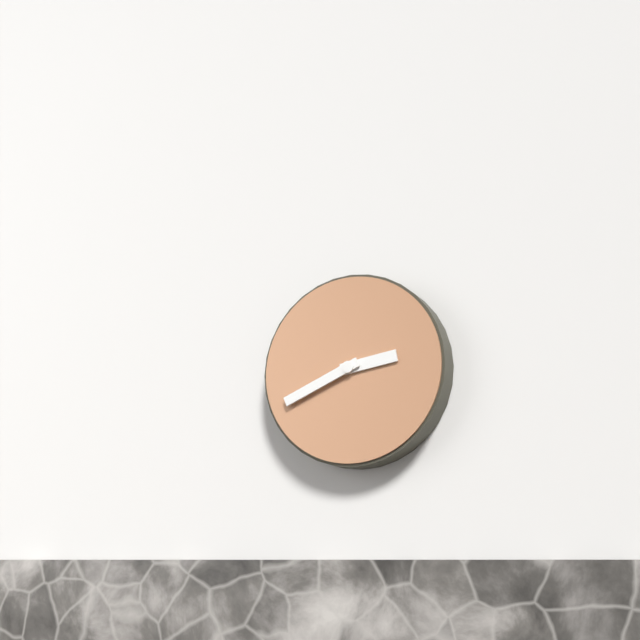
2h41
